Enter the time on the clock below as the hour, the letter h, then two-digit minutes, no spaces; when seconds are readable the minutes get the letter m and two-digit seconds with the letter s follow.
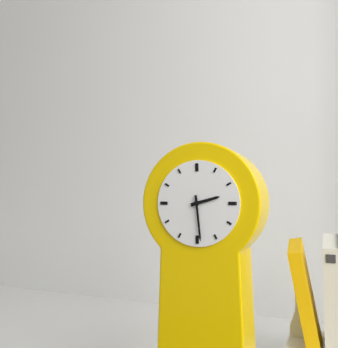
2h29
